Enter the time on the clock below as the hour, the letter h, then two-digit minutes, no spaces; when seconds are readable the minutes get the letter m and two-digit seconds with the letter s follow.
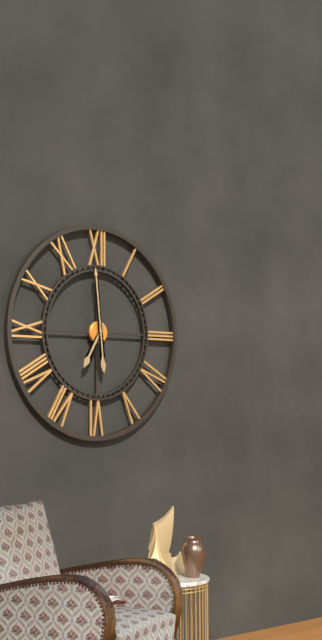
6h59
